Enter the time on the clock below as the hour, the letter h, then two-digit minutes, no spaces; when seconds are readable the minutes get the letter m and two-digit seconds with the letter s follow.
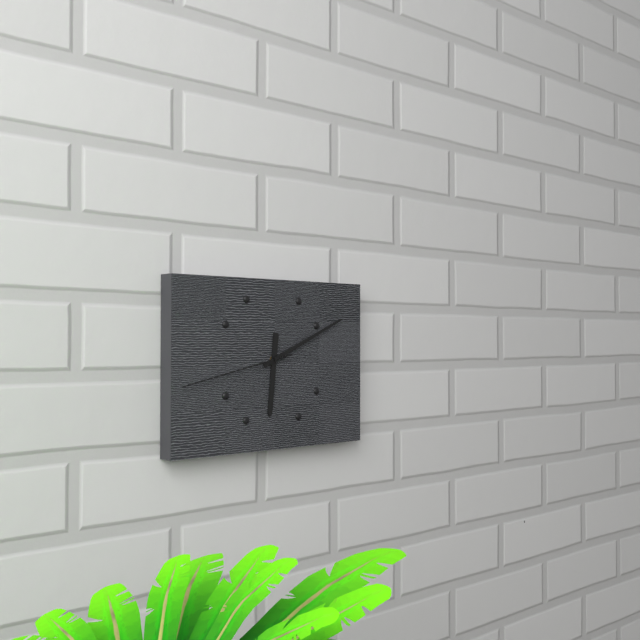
6h11m43s
